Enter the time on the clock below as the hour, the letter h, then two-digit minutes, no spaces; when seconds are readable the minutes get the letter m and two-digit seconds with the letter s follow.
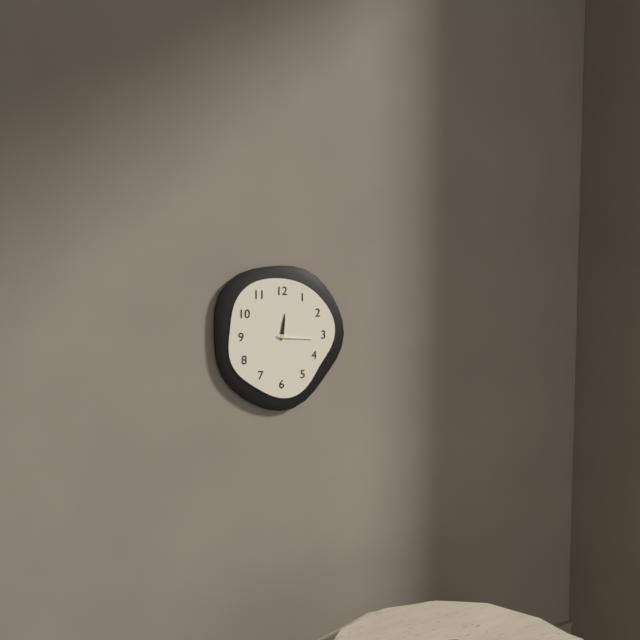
12h16
